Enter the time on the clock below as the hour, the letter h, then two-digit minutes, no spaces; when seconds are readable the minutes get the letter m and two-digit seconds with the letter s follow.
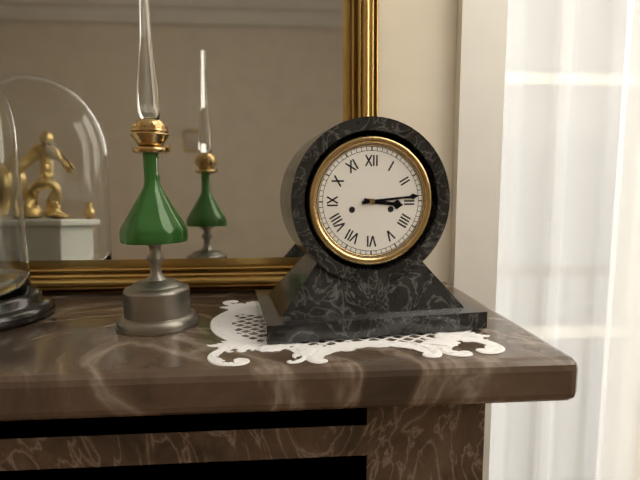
3h14
